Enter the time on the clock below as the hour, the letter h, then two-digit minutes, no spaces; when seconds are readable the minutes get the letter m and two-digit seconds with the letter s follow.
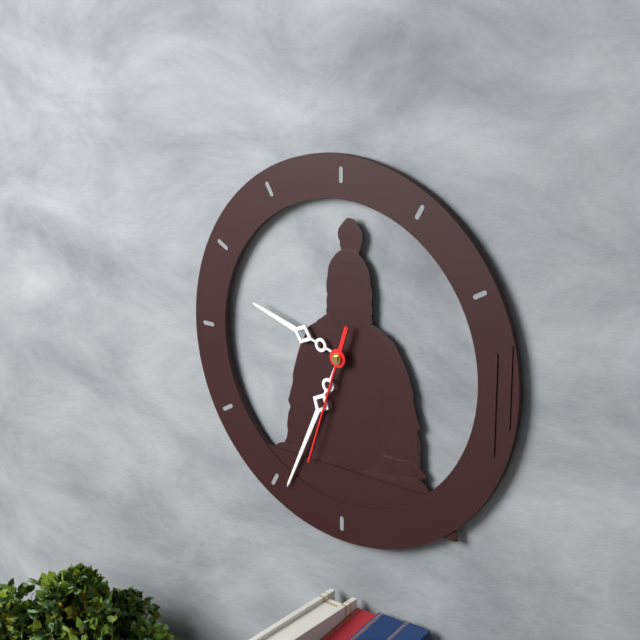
9h34m33s
